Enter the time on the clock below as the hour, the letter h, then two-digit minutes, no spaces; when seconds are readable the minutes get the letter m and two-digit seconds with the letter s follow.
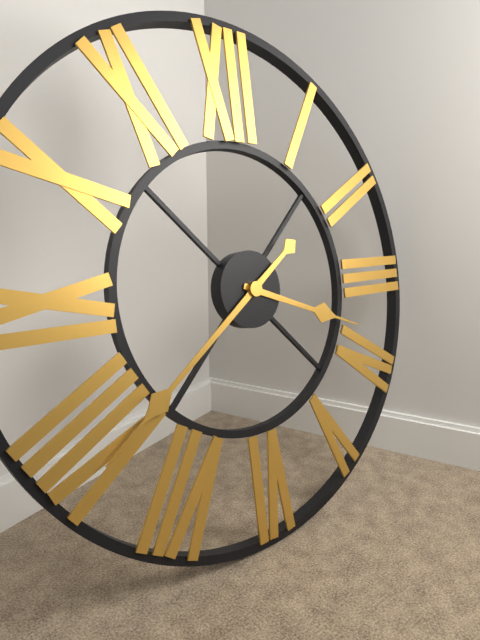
3h39
